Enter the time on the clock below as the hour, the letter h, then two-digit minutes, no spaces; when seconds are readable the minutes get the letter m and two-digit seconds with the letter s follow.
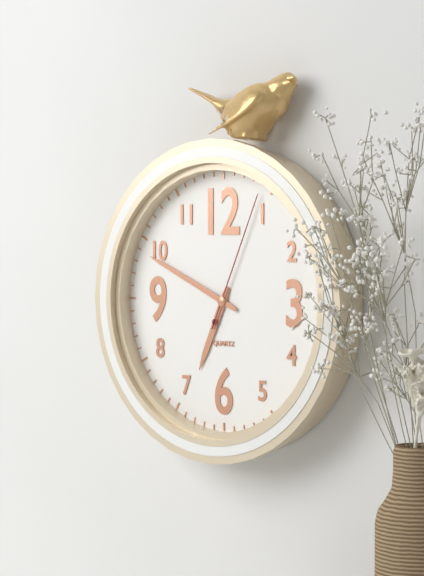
6h49m04s
